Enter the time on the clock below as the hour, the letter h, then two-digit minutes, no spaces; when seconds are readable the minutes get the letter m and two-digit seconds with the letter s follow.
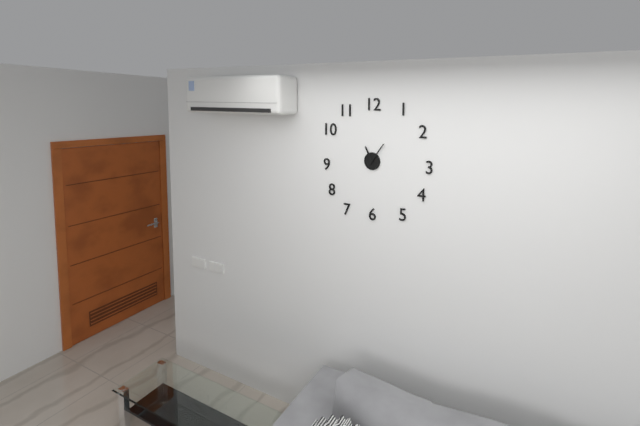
11h06
